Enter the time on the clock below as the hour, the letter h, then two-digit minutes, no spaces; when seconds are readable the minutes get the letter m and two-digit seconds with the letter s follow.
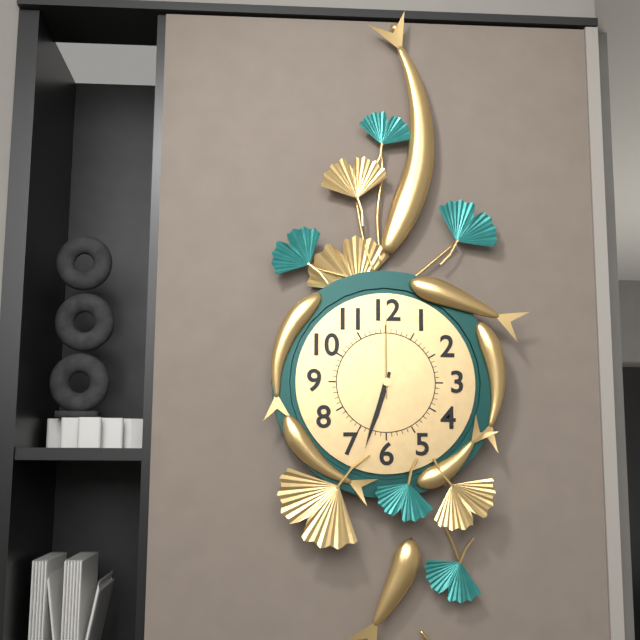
6h33m00s
